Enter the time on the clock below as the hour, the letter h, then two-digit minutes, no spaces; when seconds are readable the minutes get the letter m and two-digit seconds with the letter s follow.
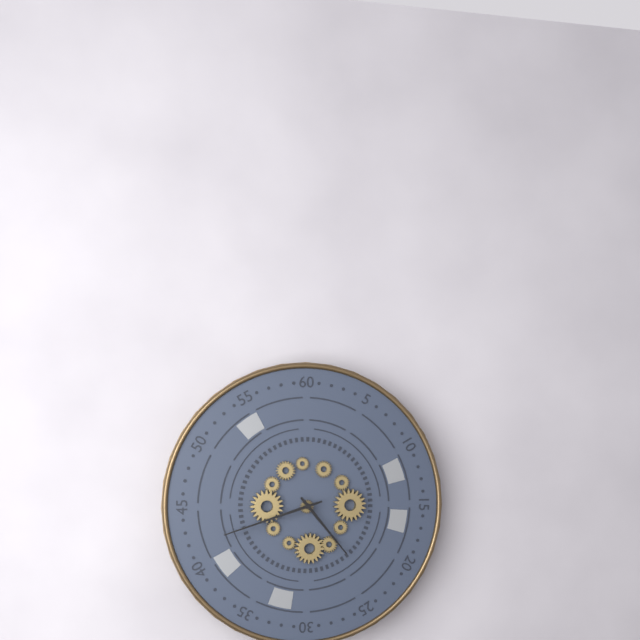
4h42
